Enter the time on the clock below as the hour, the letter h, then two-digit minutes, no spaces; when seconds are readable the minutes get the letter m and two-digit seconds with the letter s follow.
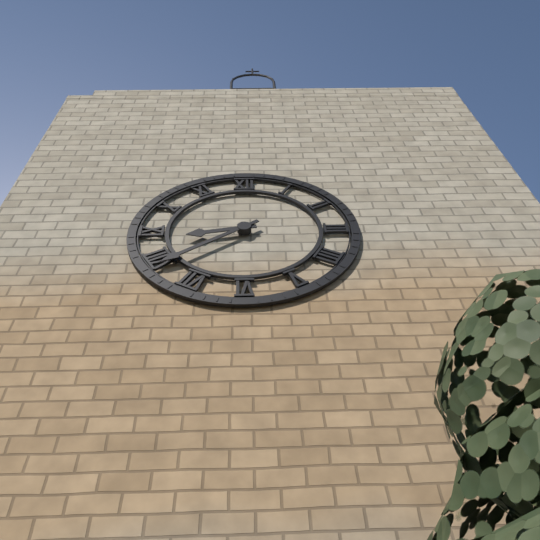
8h39
